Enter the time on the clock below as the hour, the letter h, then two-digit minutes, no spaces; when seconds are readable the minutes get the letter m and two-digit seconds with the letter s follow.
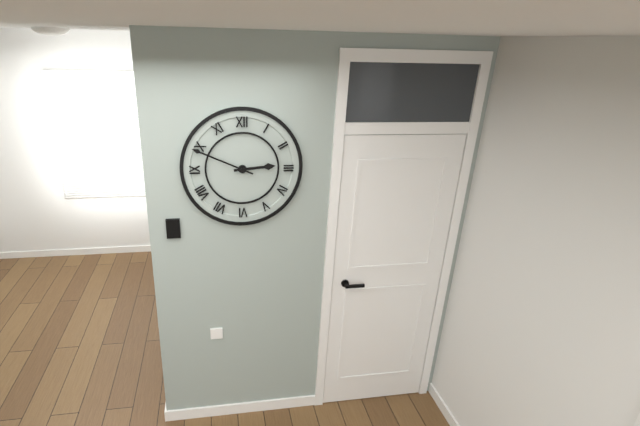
2h49
